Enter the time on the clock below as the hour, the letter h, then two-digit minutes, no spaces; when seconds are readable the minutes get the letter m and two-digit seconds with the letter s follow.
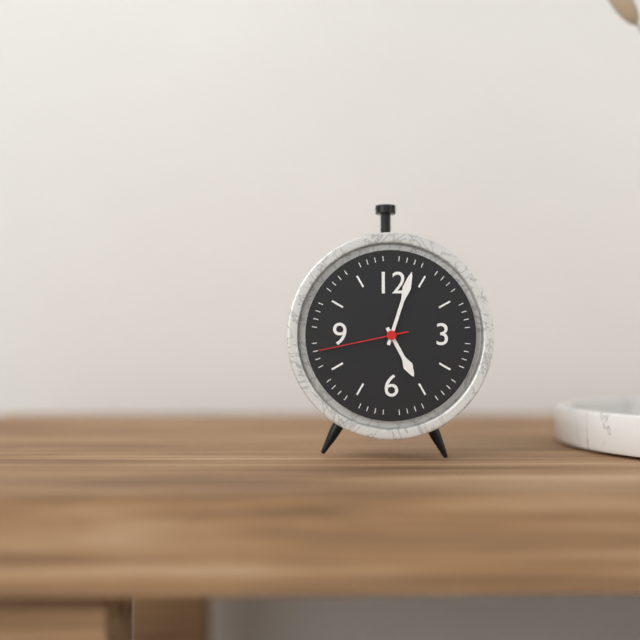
5h03m43s
